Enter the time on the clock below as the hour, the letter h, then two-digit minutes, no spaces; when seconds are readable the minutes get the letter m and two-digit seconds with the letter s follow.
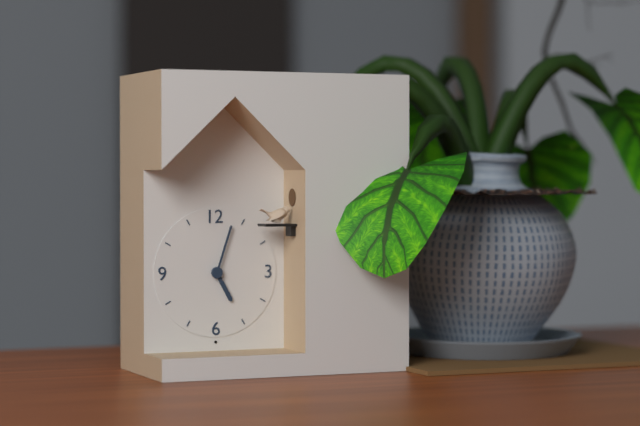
5h03
